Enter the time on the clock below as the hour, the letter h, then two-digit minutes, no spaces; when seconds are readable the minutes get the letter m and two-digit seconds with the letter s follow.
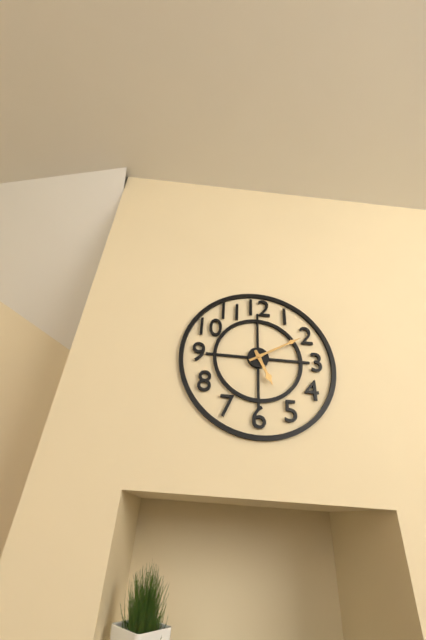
5h10
